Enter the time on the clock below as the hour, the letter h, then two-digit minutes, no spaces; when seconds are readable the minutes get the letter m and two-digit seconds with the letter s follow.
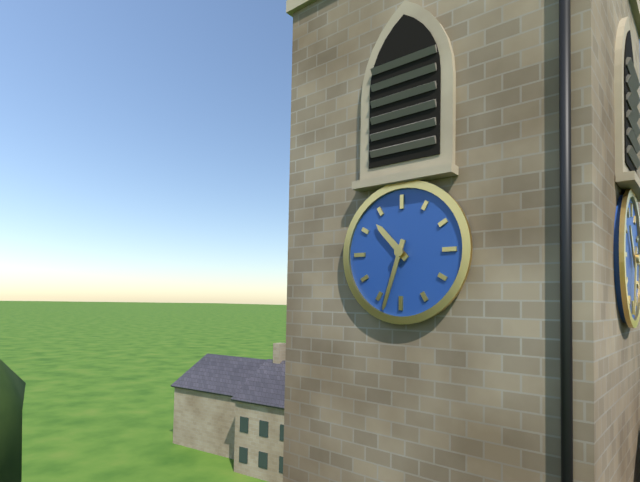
10h33
